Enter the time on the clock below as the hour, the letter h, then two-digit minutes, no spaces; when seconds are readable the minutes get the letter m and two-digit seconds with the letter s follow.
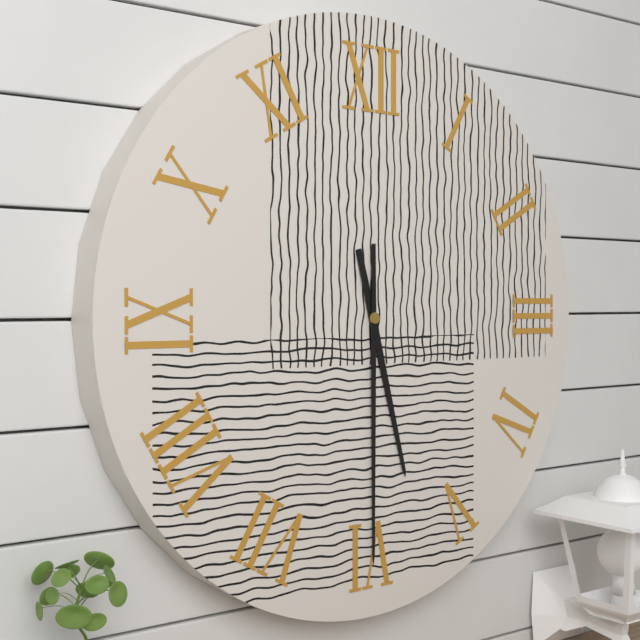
5h30
